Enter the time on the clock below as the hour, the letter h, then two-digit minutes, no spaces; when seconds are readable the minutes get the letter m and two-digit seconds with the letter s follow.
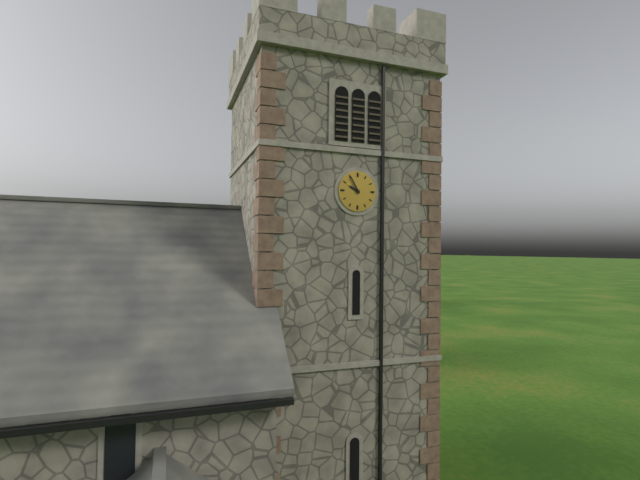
9h55
